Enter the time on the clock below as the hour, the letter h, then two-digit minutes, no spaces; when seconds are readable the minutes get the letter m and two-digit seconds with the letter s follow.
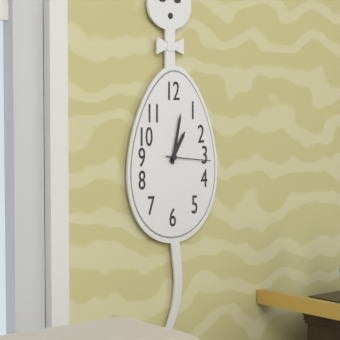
1h02
